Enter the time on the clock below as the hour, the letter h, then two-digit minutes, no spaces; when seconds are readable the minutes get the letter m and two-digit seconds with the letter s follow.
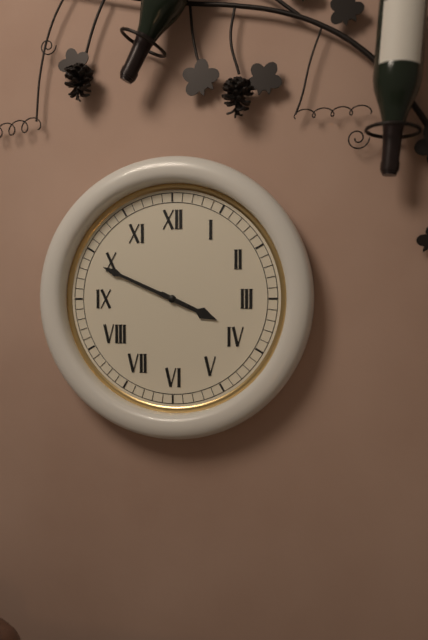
3h49
